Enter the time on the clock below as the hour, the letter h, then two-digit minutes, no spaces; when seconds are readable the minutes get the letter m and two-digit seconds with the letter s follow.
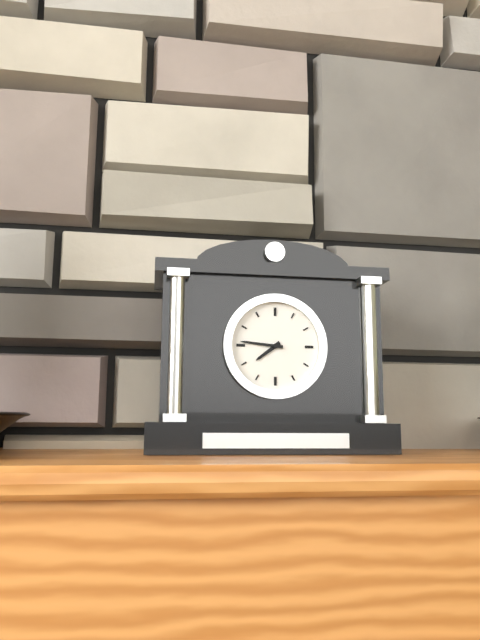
7h46
